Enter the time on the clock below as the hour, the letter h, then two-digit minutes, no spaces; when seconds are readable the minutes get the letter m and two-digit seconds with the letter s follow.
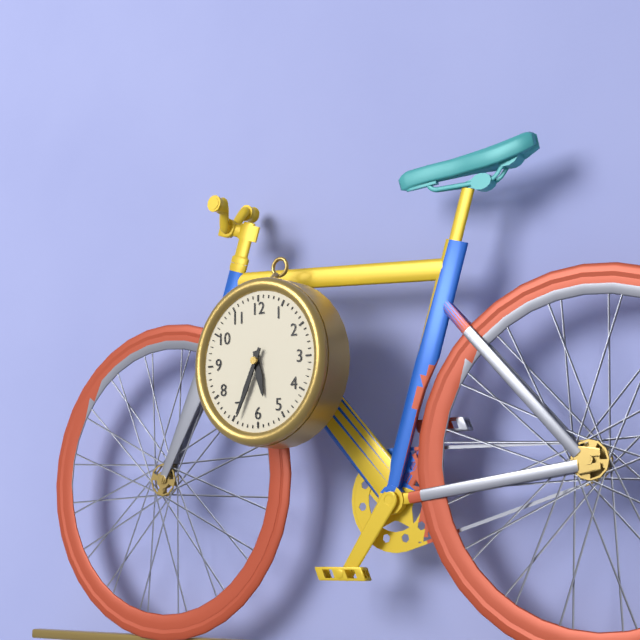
5h34
